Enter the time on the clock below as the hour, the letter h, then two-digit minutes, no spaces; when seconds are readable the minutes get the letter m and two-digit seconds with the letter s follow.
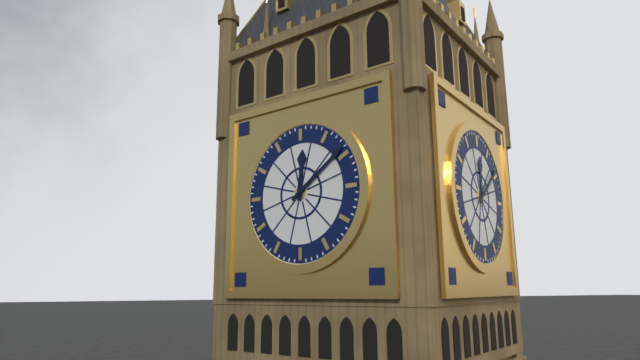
12h09
